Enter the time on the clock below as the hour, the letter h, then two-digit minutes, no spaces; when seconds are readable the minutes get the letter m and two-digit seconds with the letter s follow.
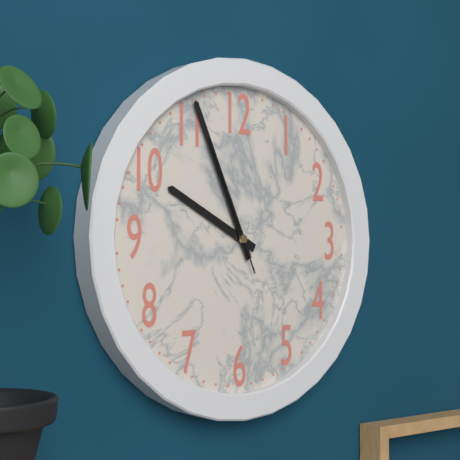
9h56m56s
